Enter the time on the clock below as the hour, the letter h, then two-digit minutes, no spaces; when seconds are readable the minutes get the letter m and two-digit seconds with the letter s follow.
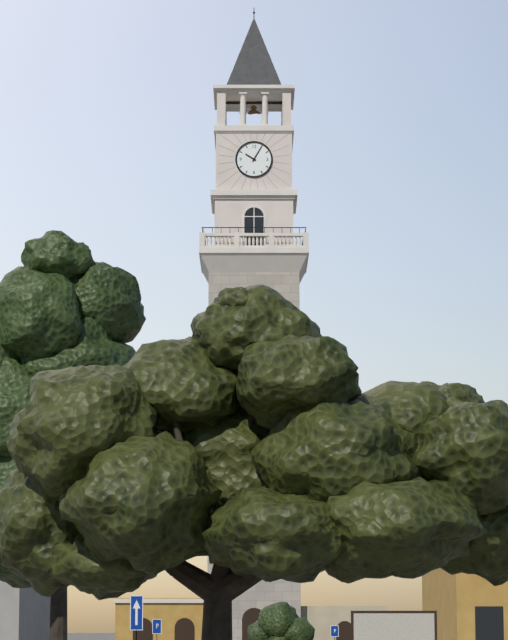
10h05
